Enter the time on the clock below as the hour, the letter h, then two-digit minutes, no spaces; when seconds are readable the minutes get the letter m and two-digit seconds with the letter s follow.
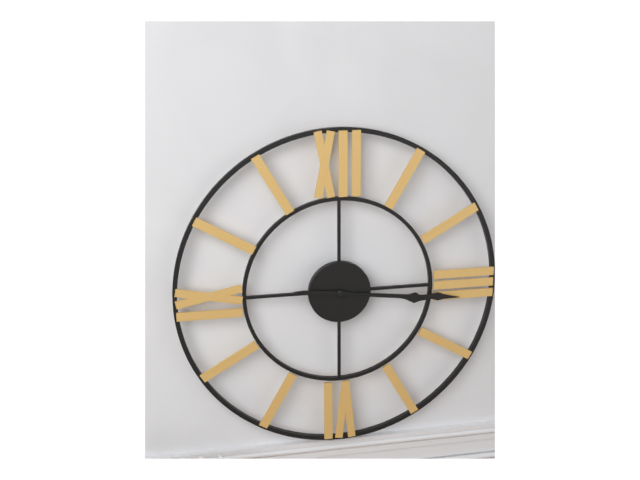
3h16
